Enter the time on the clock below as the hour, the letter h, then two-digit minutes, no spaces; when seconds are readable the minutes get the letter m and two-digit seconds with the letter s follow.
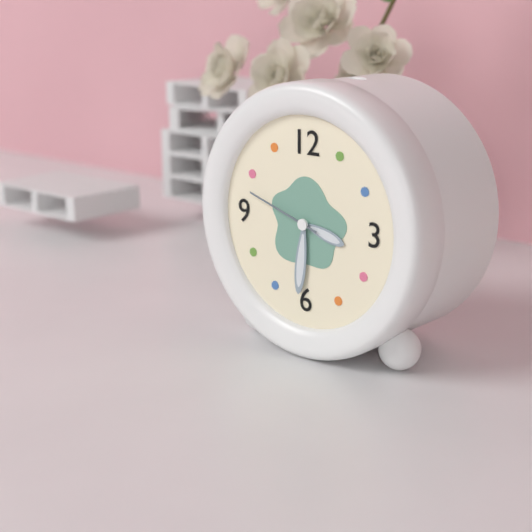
3h31m48s
